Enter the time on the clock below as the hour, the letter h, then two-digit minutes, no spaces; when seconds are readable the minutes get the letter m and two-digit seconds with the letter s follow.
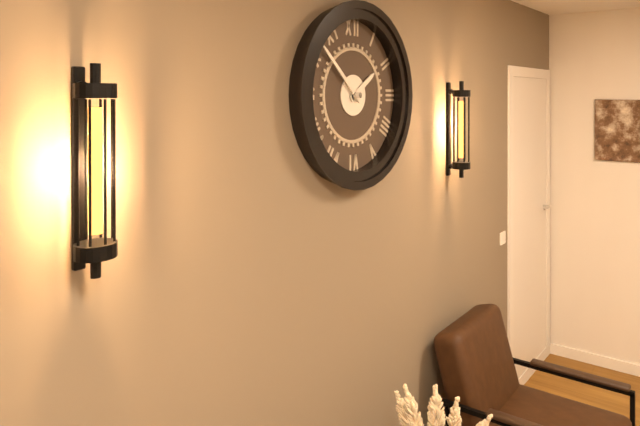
1h52
